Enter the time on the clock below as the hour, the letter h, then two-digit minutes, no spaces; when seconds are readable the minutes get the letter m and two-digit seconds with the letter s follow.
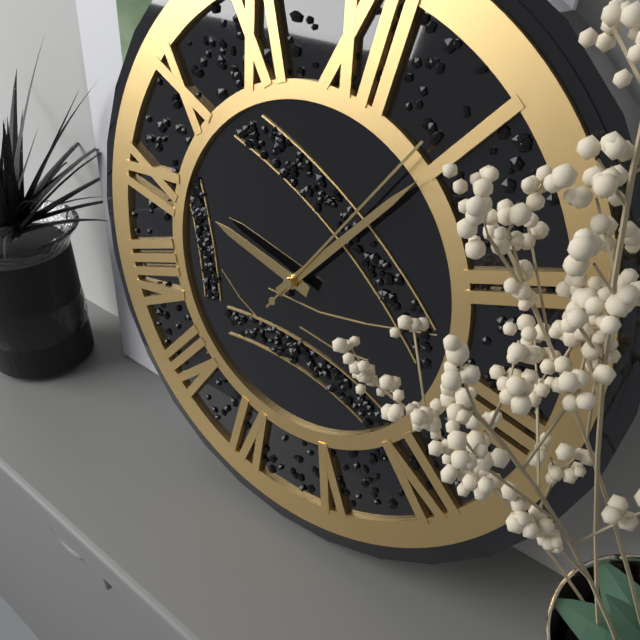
9h05m04s
